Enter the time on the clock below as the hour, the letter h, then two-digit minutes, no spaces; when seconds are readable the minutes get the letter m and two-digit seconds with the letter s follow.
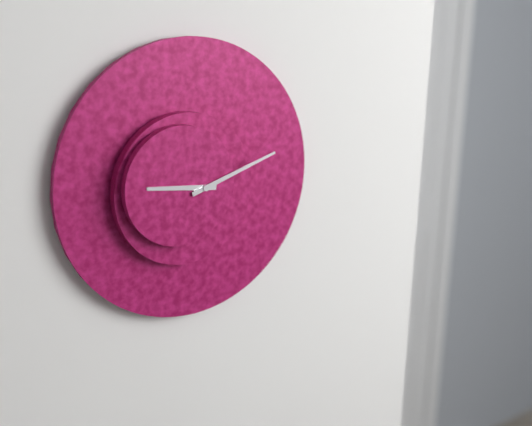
9h12
